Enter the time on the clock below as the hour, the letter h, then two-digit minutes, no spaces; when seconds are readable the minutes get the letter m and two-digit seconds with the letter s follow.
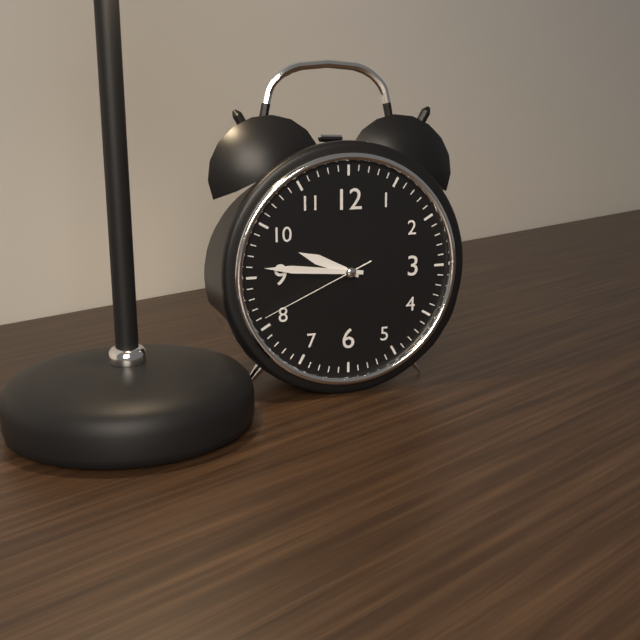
9h46m41s
